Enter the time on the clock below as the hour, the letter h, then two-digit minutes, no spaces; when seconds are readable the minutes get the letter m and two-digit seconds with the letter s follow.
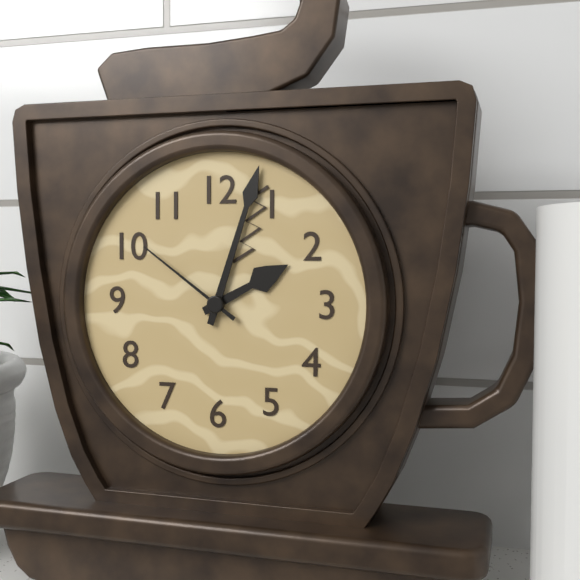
2h03m51s
